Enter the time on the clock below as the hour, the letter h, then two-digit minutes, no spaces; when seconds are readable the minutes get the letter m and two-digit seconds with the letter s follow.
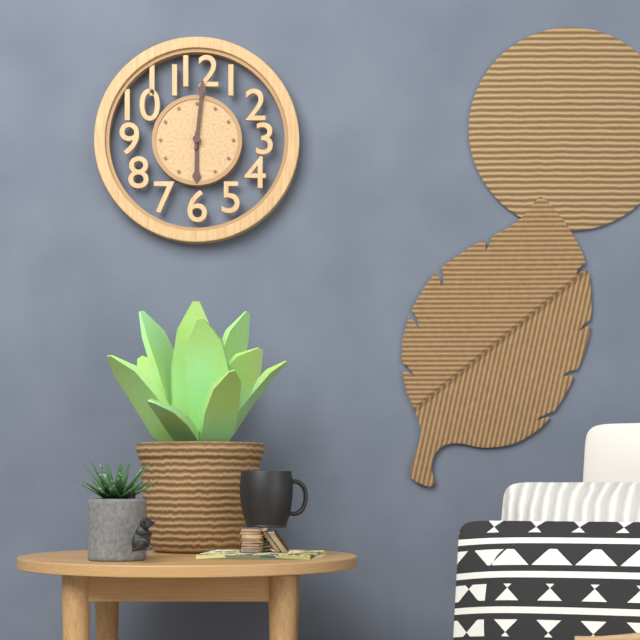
6h01
